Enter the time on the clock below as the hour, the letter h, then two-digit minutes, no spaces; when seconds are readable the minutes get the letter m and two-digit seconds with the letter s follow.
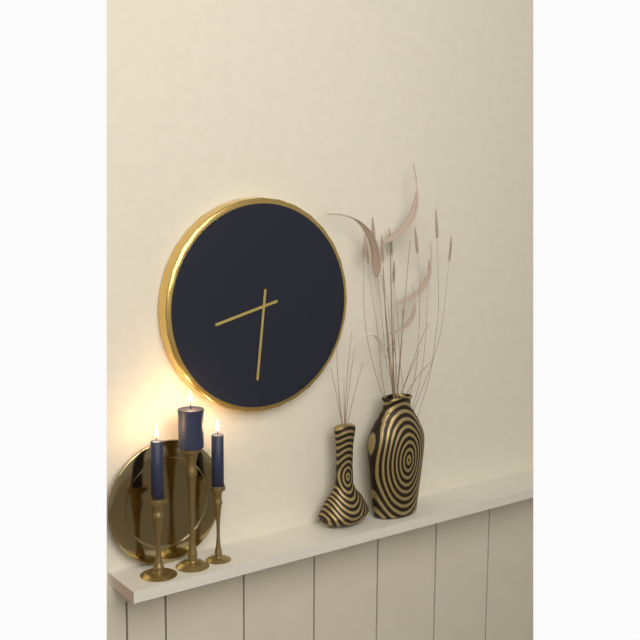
8h31
